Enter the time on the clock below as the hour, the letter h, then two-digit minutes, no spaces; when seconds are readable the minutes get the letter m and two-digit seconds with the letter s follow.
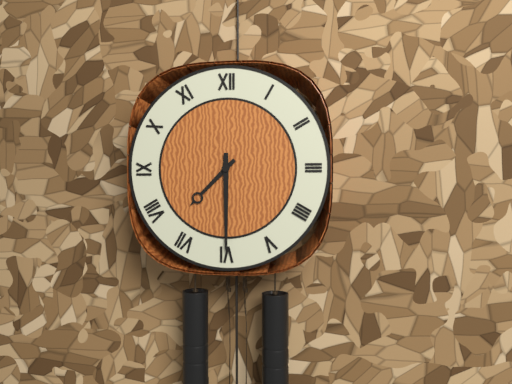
7h30
